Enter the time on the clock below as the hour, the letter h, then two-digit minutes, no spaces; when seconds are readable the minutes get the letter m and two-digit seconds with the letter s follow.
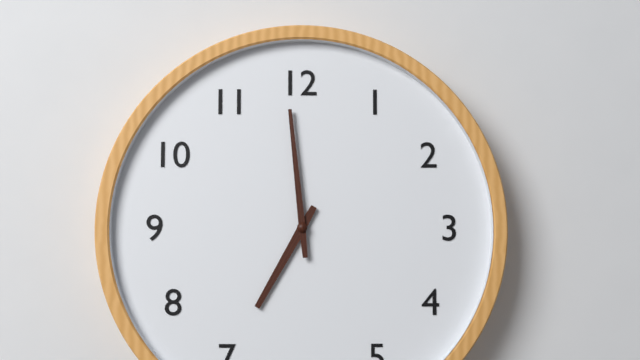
6h59
